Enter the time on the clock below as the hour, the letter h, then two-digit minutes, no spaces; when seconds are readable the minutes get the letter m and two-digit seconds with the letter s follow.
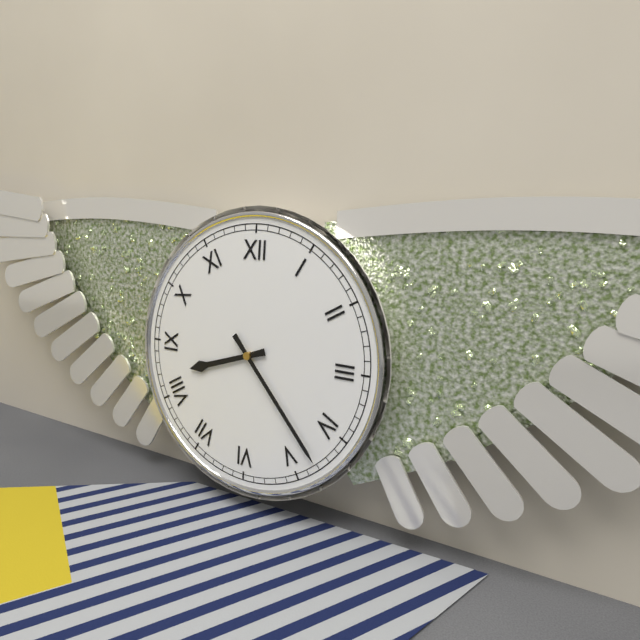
8h23
